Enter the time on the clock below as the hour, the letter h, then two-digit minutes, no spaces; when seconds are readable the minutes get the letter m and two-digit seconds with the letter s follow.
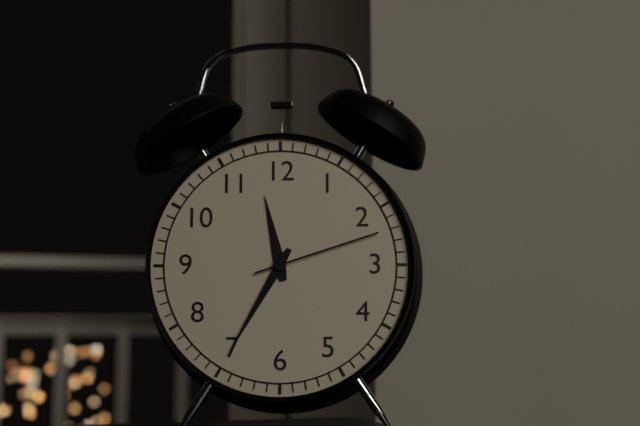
11h35m12s
